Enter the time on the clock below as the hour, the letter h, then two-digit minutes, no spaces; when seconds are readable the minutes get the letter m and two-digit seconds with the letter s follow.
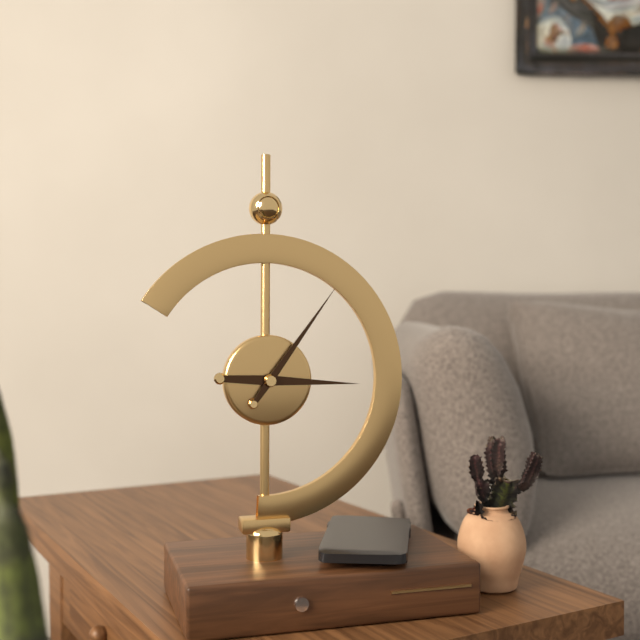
3h06
